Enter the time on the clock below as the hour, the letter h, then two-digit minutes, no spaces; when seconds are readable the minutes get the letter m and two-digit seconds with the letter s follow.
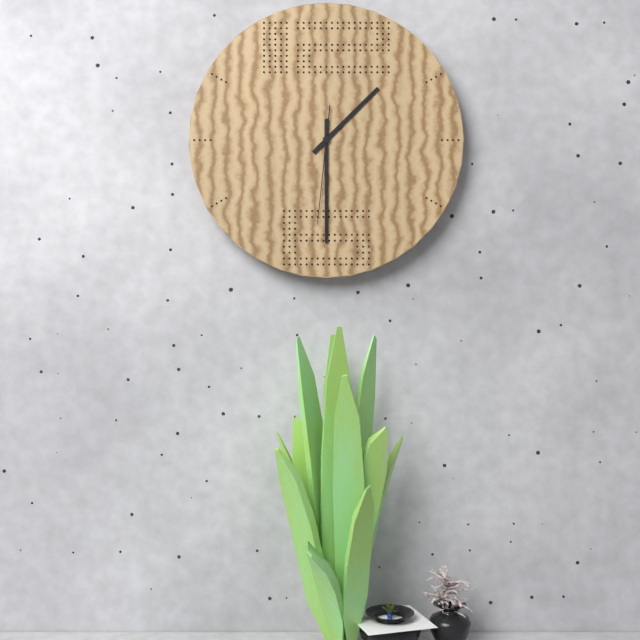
1h30m31s
